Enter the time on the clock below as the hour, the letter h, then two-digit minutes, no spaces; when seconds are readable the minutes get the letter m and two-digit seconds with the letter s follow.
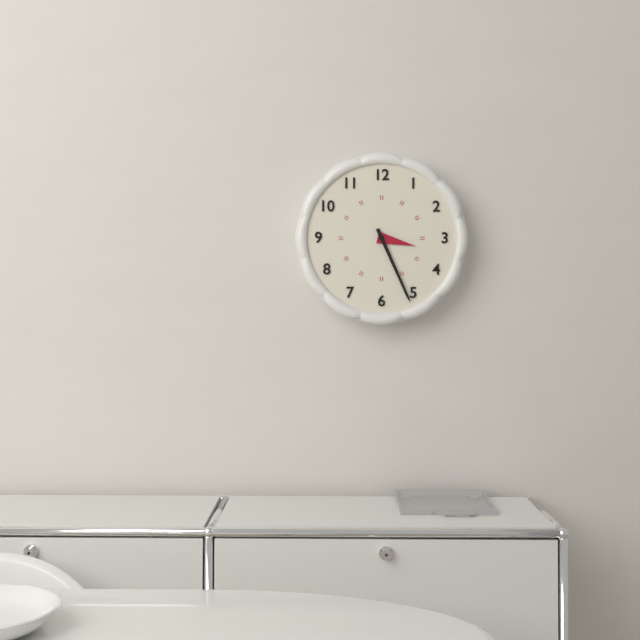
3h26
